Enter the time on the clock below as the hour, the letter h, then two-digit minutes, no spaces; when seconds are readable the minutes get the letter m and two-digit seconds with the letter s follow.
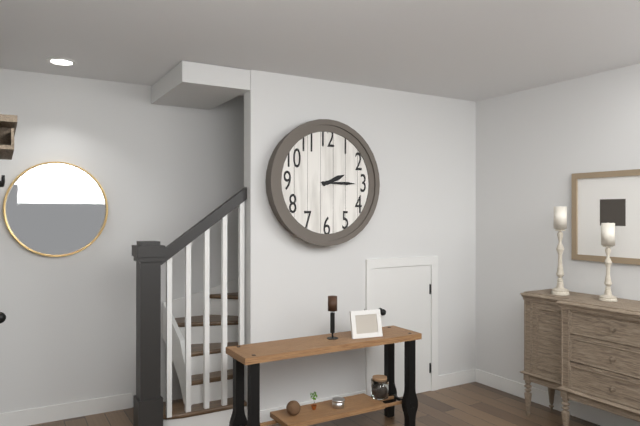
2h15
